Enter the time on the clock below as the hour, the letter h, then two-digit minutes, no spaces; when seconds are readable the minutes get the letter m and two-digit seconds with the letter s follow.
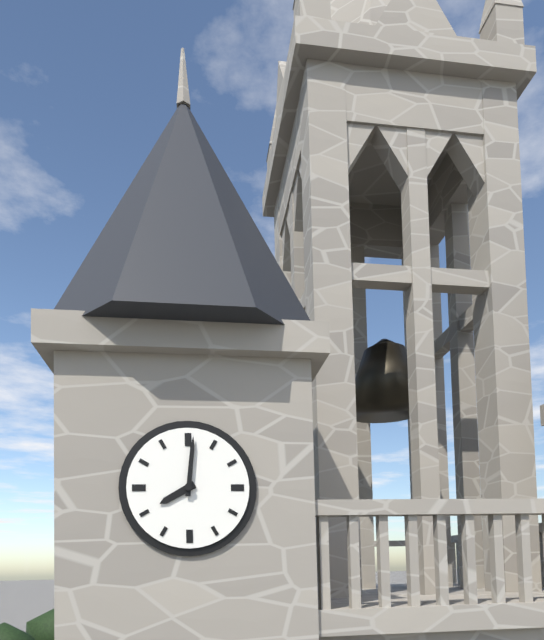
8h01
